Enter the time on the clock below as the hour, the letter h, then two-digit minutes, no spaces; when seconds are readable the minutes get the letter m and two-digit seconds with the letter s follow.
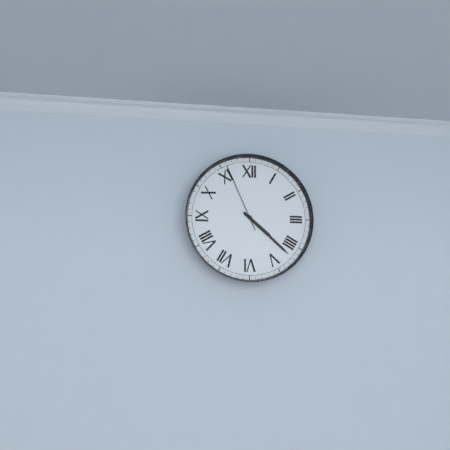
4h22m56s
